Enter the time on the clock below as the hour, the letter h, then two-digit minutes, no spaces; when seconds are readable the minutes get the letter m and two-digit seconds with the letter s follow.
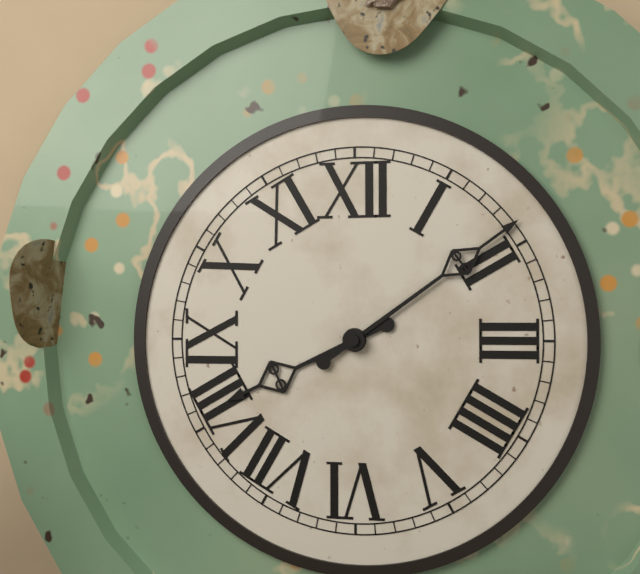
8h09
